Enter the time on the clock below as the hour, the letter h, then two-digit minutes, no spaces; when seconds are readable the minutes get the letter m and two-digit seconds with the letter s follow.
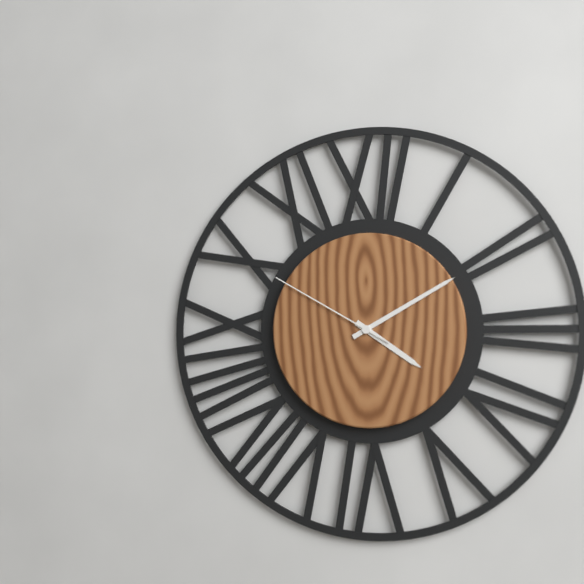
4h10m50s
